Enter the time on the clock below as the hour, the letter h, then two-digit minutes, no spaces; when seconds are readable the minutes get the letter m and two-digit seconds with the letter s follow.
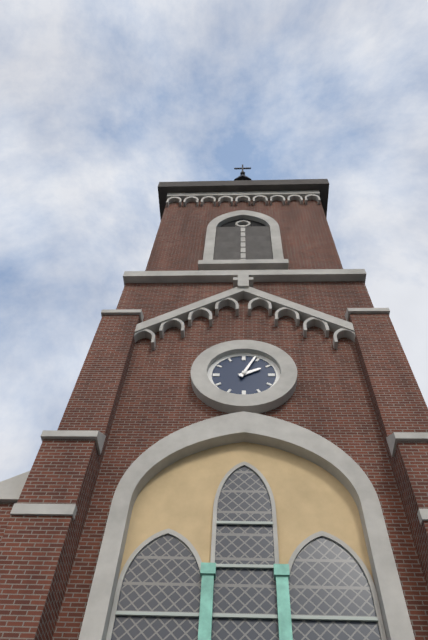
2h04
